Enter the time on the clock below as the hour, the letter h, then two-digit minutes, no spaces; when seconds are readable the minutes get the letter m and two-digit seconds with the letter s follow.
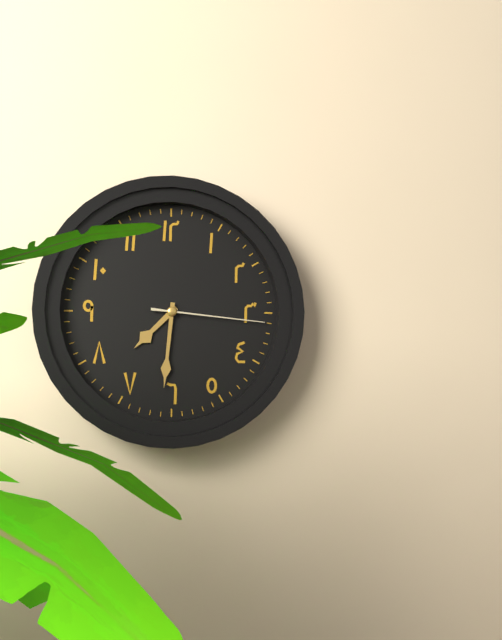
7h31m16s
